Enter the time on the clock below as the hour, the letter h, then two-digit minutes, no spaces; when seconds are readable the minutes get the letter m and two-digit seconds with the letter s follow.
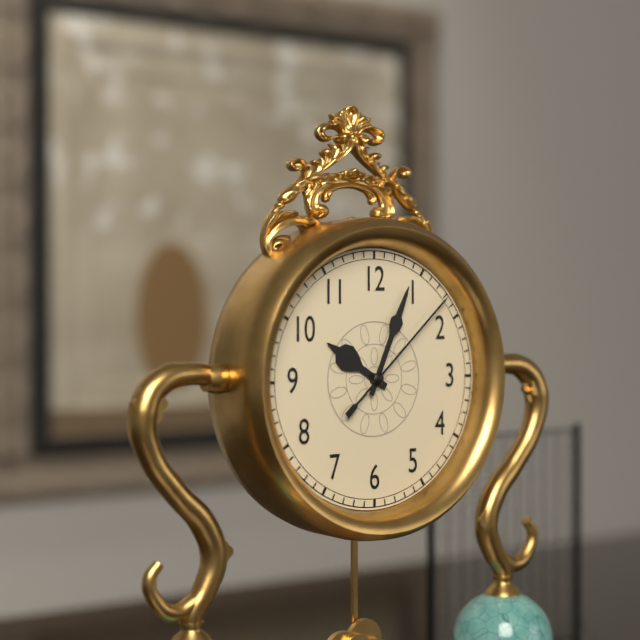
10h04m08s
